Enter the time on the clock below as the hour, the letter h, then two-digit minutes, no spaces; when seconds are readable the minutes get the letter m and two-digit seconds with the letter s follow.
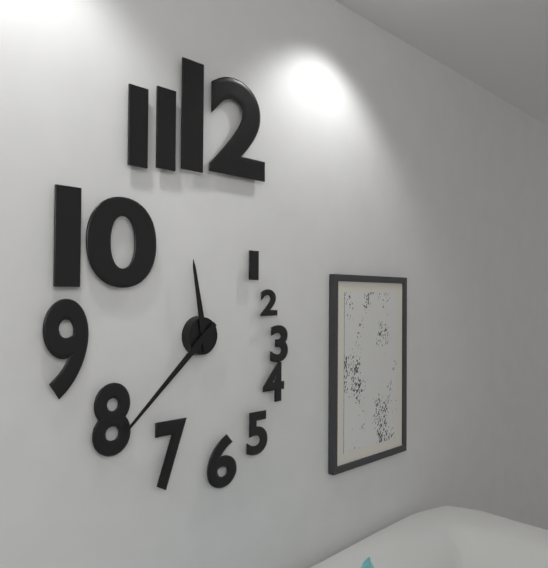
11h38
